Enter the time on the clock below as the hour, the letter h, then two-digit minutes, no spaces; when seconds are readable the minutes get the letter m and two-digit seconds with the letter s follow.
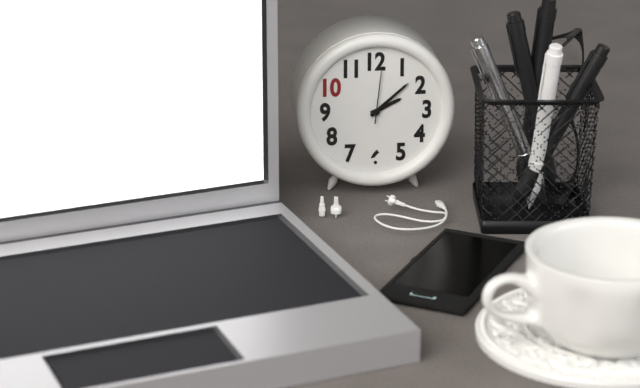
2h08m01s
